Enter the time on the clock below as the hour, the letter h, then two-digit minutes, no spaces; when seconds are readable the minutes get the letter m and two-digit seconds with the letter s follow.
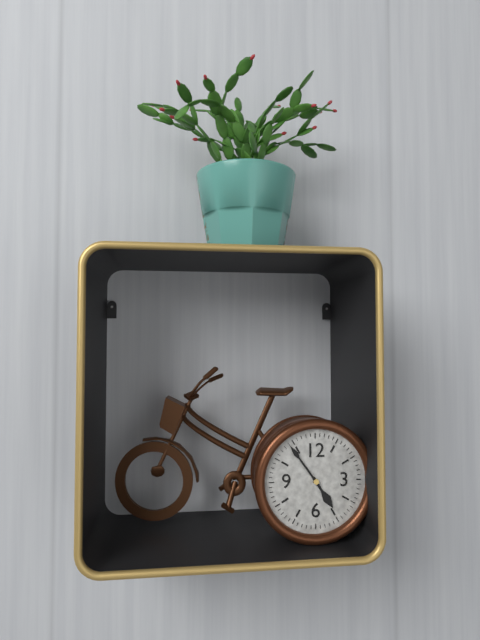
4h54
